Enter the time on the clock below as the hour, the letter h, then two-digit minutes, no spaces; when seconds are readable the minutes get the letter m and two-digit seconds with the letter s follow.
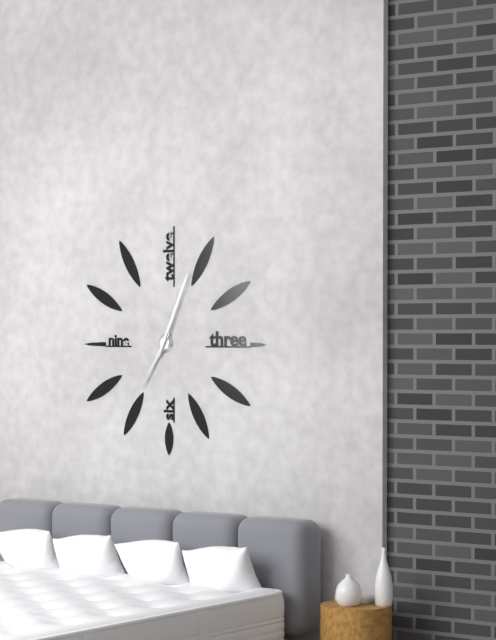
7h04
